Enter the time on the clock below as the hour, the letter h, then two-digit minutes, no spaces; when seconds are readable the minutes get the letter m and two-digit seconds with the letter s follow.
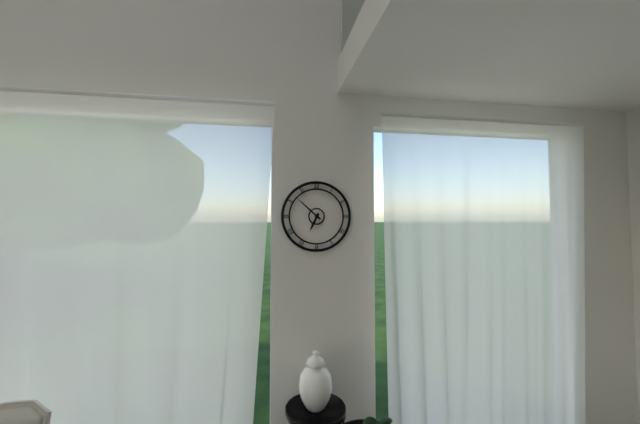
6h52
